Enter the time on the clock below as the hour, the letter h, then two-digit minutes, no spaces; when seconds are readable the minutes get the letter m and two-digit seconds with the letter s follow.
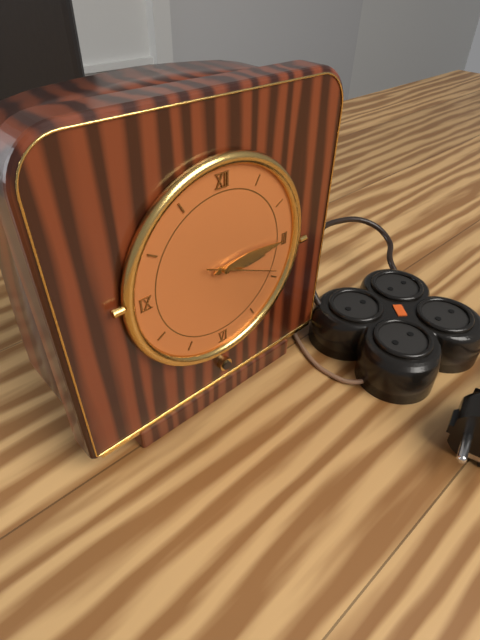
3h15m19s
